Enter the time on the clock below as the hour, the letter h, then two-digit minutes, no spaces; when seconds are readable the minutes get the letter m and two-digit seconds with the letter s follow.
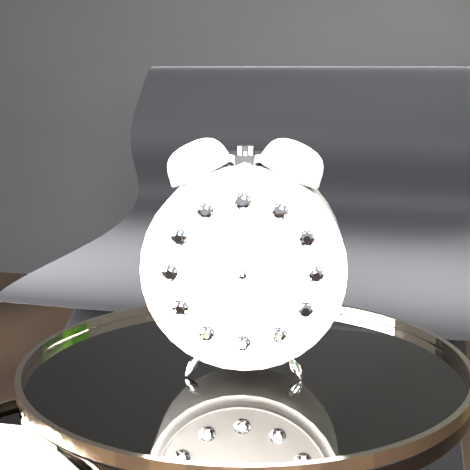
4h01m43s
